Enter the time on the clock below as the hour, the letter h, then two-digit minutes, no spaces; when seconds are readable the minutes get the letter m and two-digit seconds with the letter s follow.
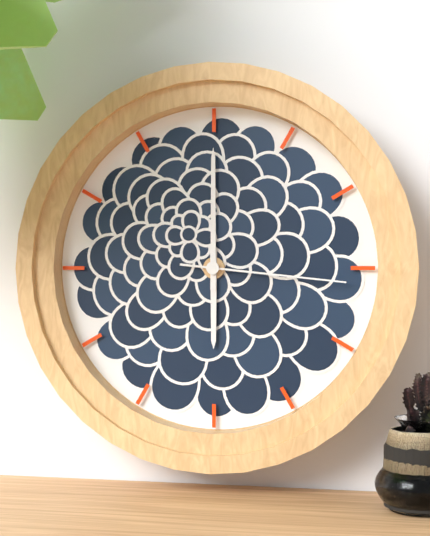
6h00m16s
